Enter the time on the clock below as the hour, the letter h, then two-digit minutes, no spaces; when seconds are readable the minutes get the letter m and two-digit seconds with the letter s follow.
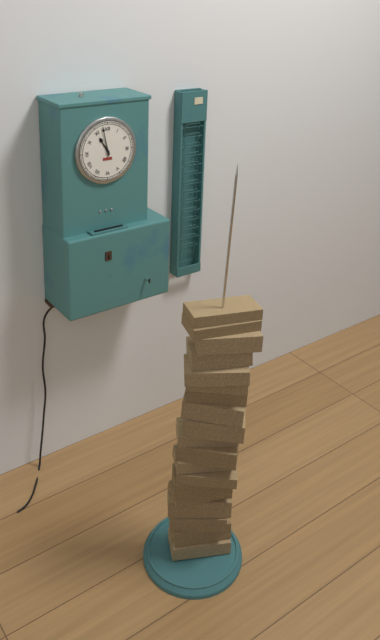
10h58
